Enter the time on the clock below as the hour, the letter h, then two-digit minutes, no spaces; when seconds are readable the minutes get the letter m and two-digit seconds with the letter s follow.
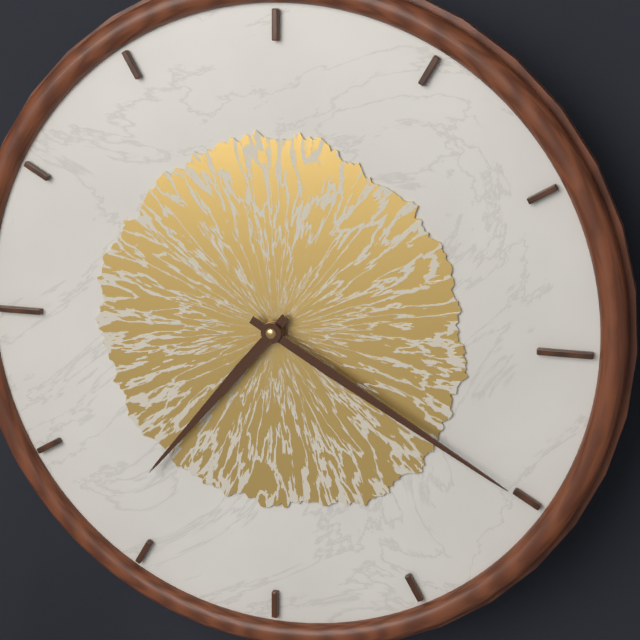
7h20
